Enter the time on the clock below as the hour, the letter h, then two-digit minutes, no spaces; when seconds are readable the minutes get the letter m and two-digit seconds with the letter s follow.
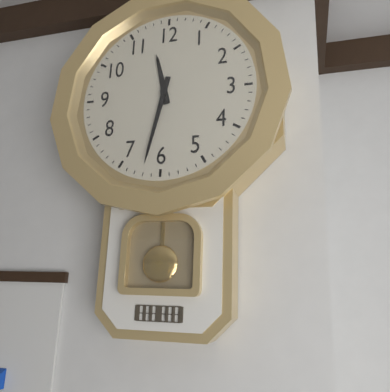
11h32
